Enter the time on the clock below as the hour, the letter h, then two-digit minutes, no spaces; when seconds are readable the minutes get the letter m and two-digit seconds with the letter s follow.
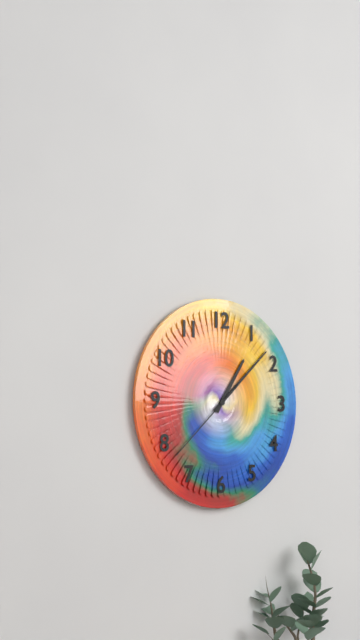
1h08m38s
